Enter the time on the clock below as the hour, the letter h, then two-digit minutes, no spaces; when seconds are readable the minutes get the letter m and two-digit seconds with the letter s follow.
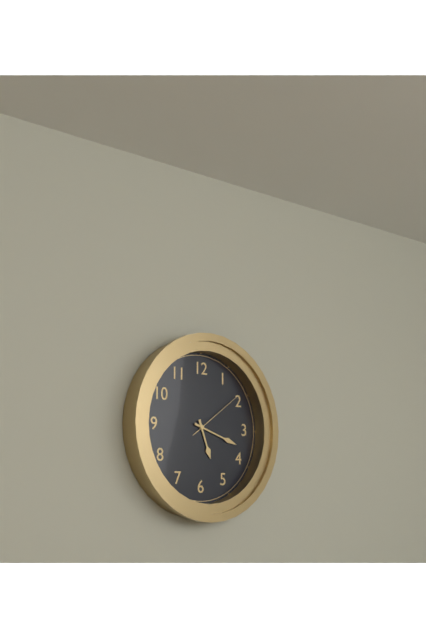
5h18m09s
